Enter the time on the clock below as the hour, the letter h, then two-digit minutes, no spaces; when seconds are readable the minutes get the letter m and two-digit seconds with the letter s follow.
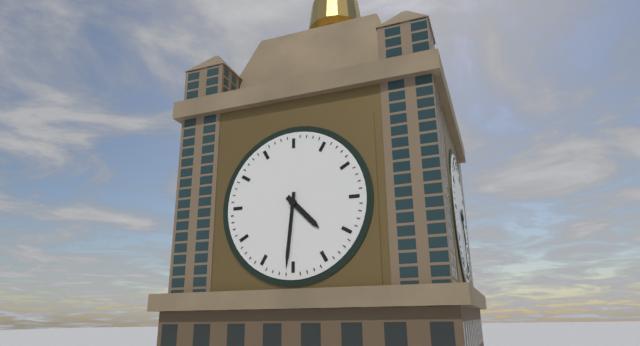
4h31
